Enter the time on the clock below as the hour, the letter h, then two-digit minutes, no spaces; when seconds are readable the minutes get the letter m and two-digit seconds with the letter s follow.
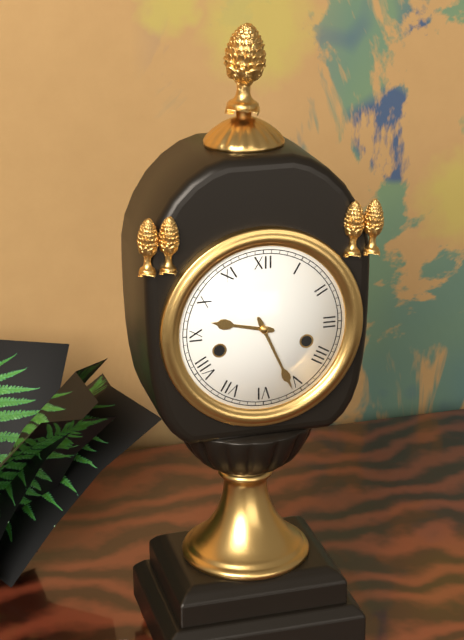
9h26
